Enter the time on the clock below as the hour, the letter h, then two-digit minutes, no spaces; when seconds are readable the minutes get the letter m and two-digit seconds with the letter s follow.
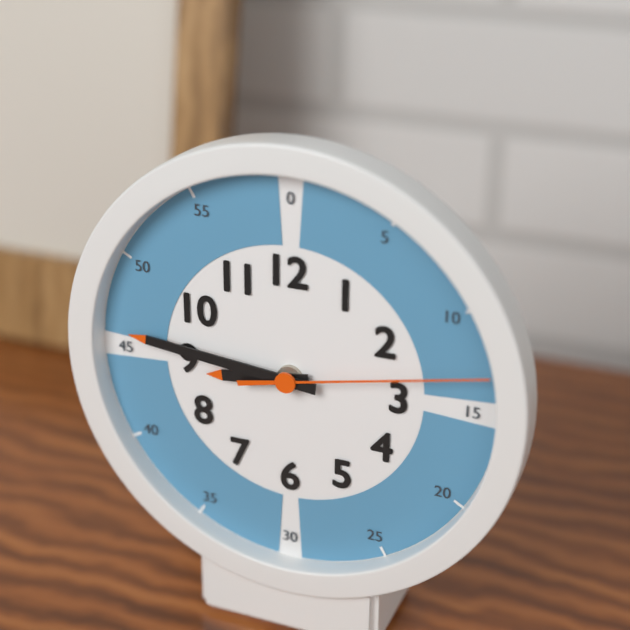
8h46m13s
